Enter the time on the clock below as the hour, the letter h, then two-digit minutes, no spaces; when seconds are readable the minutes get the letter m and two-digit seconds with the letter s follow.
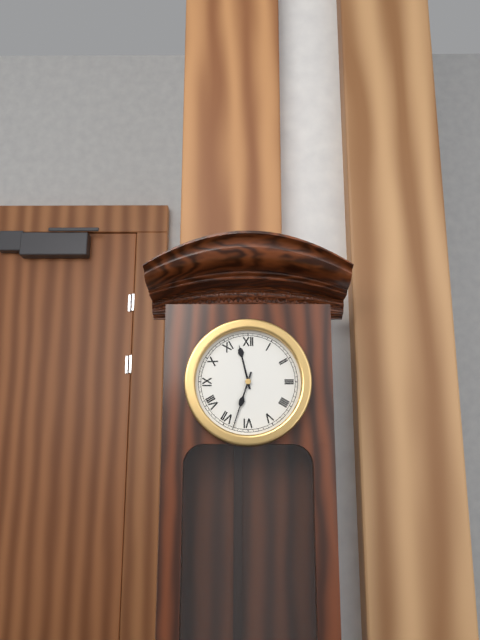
11h33
